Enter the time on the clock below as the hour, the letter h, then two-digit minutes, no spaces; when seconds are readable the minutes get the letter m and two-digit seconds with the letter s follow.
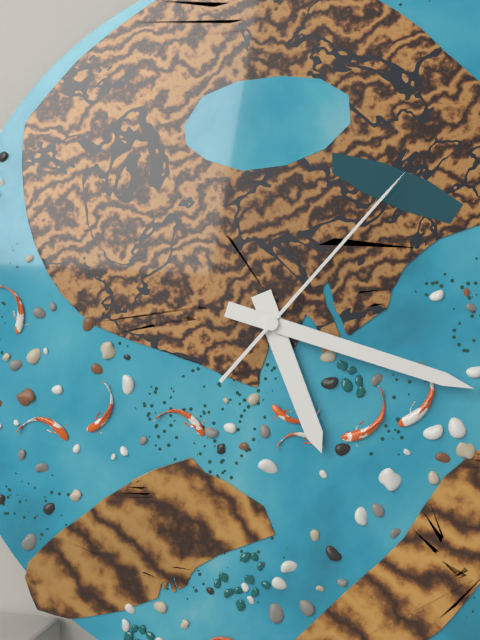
5h18m07s
